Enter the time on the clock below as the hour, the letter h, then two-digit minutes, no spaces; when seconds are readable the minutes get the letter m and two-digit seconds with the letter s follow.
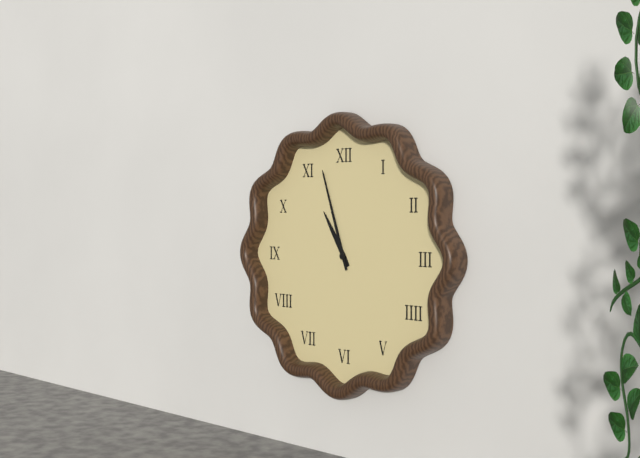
10h57
